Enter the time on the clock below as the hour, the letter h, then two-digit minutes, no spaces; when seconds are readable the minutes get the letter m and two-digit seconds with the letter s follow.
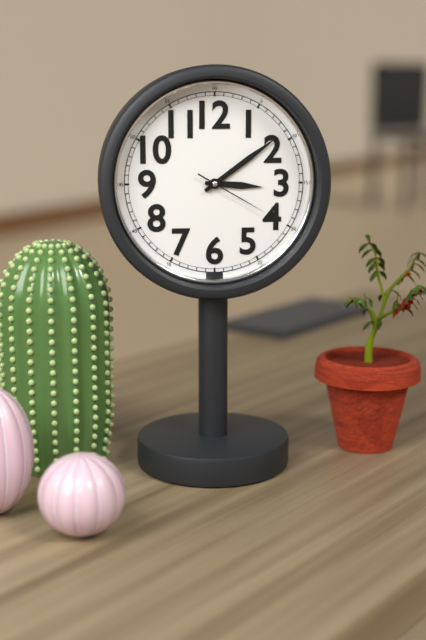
3h09m20s
